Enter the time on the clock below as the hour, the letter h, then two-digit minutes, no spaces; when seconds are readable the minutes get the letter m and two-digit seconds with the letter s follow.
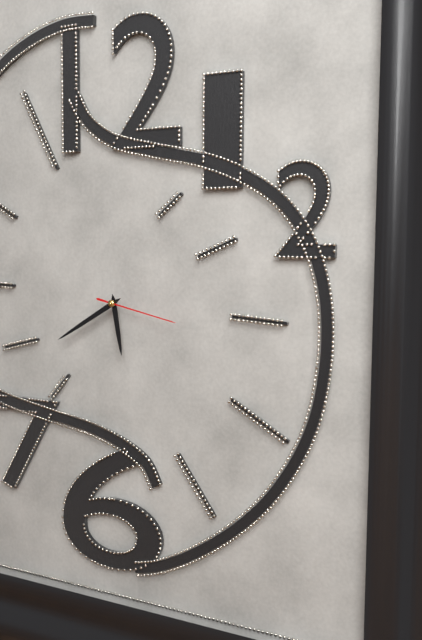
5h40m17s
